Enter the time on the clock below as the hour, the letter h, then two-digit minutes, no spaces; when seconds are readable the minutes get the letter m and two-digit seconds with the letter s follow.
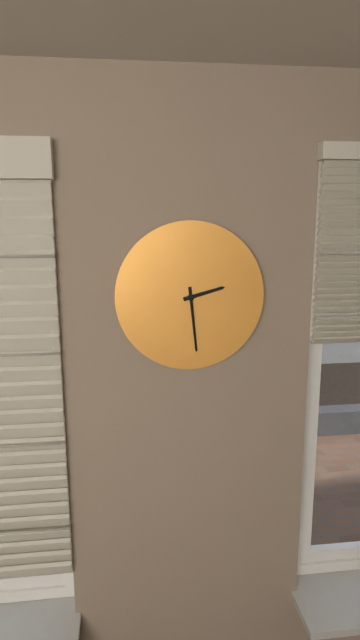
2h29
